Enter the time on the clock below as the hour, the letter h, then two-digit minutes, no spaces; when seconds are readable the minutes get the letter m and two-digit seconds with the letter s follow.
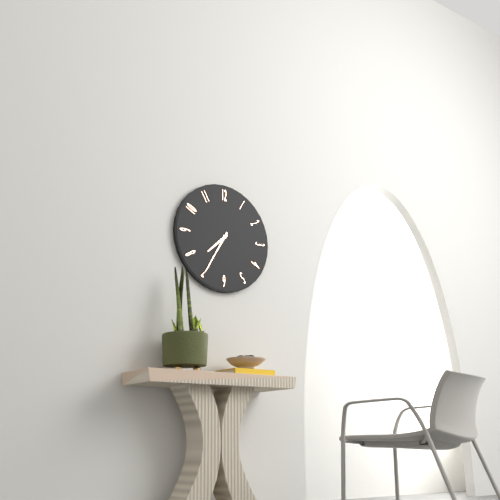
7h35
